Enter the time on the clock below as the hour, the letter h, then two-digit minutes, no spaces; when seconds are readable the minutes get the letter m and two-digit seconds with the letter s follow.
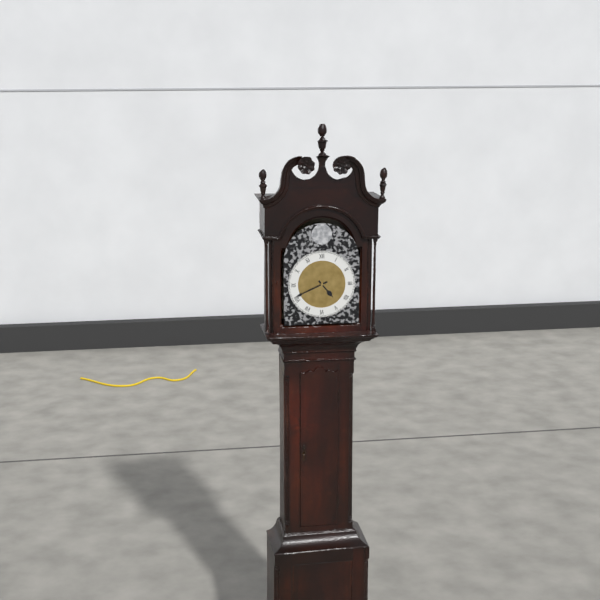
4h41
